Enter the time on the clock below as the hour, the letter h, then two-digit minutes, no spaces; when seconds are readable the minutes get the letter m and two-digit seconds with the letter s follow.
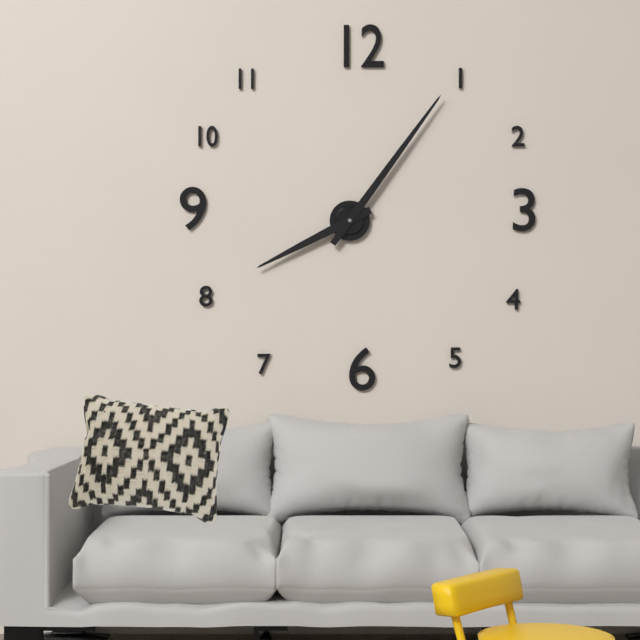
8h06
